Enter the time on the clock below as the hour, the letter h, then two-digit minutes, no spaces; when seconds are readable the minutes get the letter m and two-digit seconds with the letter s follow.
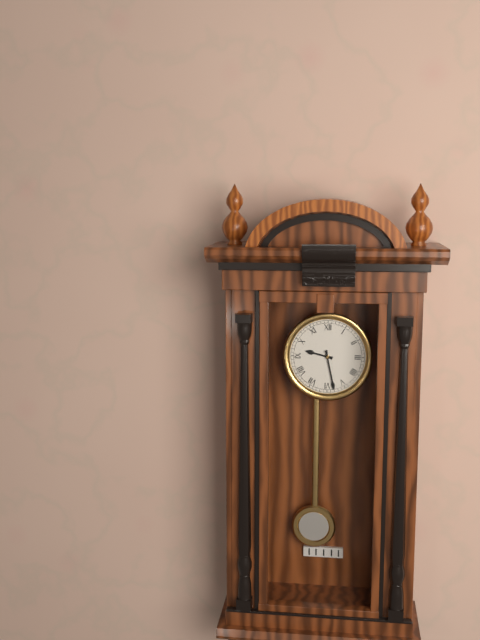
9h28
